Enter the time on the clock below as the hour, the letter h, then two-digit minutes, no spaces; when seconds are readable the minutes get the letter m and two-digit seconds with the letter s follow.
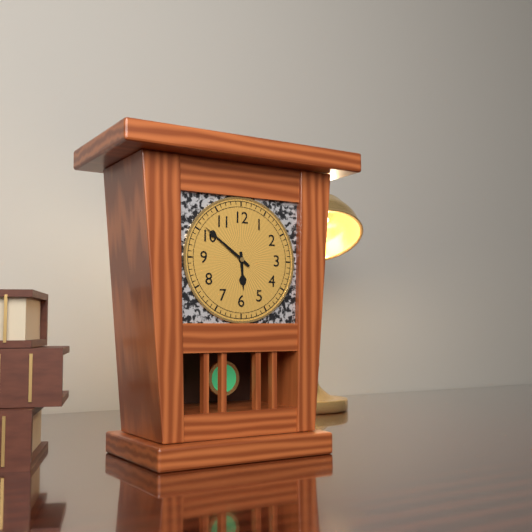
5h51
